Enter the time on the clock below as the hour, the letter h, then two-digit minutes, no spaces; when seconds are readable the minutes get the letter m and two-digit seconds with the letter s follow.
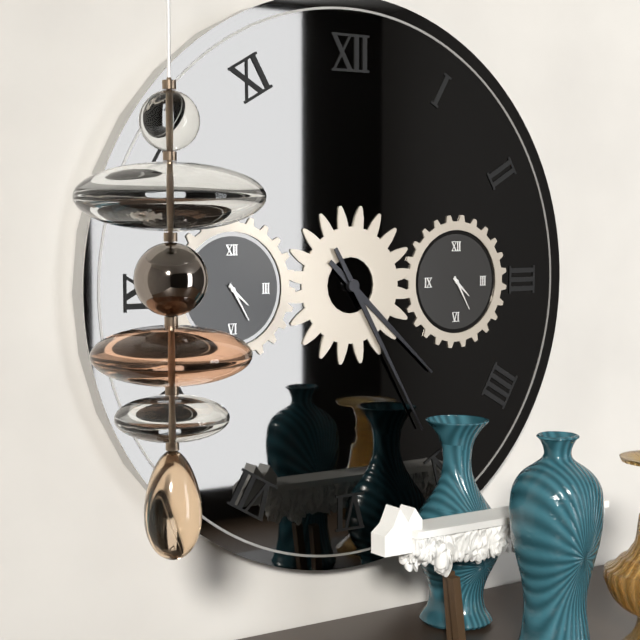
4h25
